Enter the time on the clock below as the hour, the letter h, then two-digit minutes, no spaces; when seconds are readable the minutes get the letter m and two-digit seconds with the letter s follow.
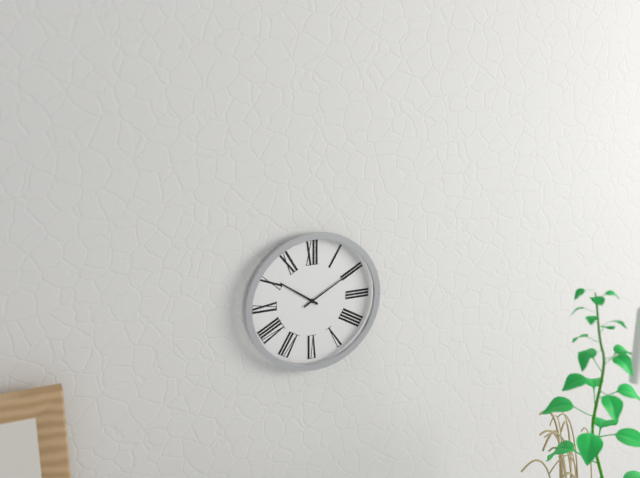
10h10
